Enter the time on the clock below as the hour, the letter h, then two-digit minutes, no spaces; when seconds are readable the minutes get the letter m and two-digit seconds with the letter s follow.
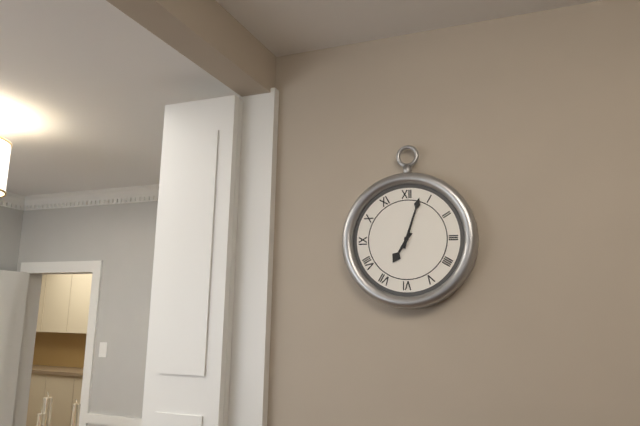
7h03
